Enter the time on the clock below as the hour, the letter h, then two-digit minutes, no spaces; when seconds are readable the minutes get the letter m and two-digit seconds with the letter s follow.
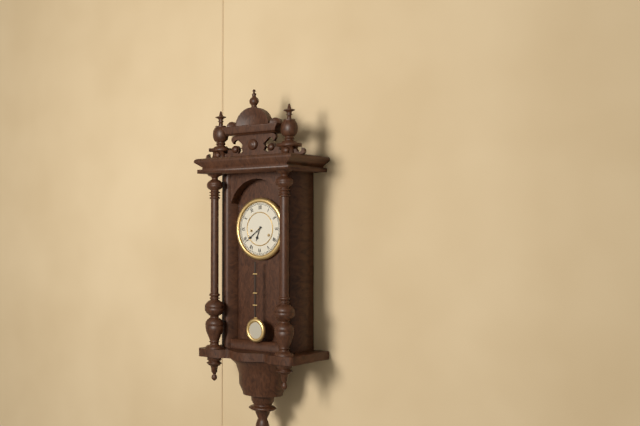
6h39
